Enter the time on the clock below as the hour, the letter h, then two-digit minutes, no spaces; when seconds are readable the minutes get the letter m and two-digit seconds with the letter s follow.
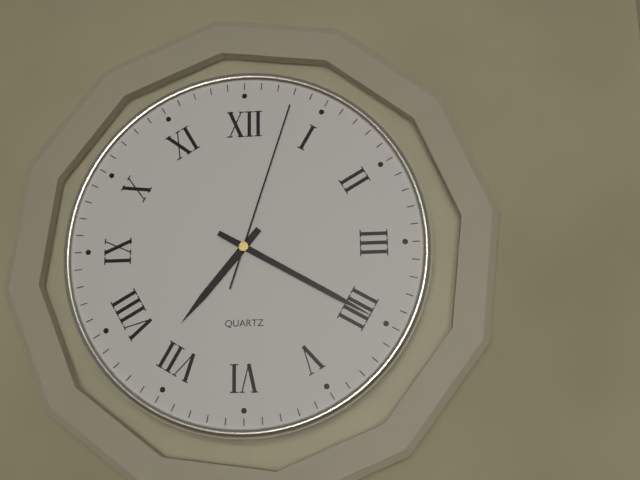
7h20m03s
